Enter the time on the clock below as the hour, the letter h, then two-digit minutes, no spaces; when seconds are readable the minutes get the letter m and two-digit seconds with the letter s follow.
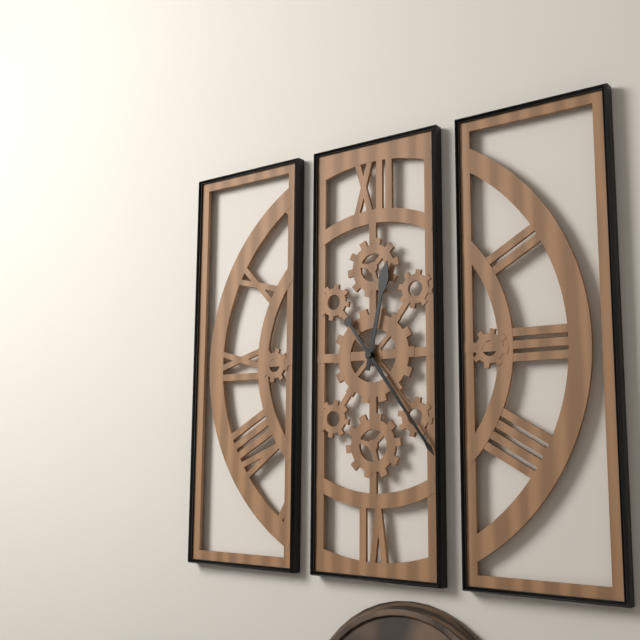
12h24
